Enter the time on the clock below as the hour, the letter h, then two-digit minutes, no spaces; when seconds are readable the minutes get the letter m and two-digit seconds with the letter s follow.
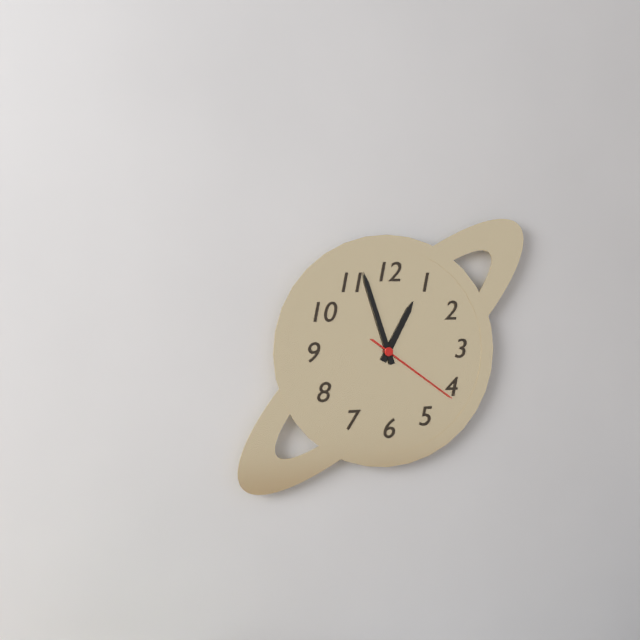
12h57m21s
